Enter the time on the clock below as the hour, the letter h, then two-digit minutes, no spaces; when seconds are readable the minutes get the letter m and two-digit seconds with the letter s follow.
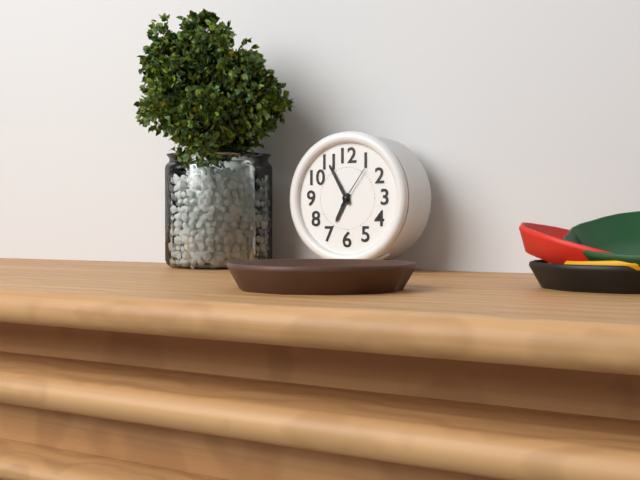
6h55
